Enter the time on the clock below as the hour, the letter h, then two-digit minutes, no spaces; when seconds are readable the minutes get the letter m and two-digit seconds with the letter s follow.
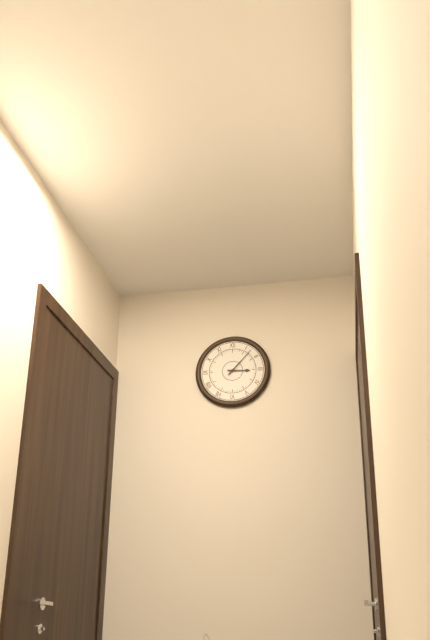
3h07
